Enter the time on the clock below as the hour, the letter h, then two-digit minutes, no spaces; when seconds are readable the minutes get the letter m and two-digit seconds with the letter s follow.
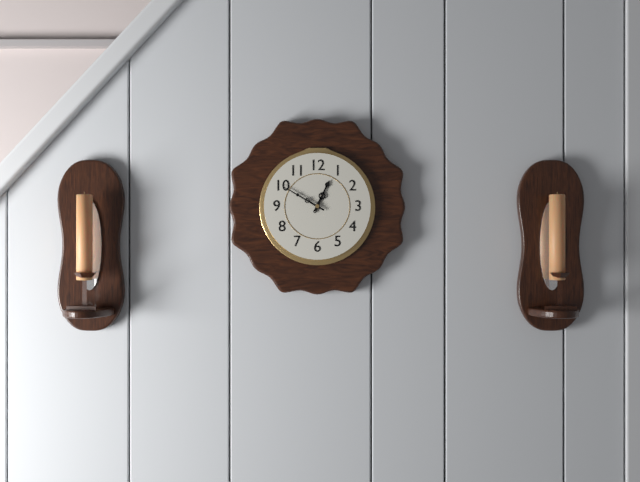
12h50
